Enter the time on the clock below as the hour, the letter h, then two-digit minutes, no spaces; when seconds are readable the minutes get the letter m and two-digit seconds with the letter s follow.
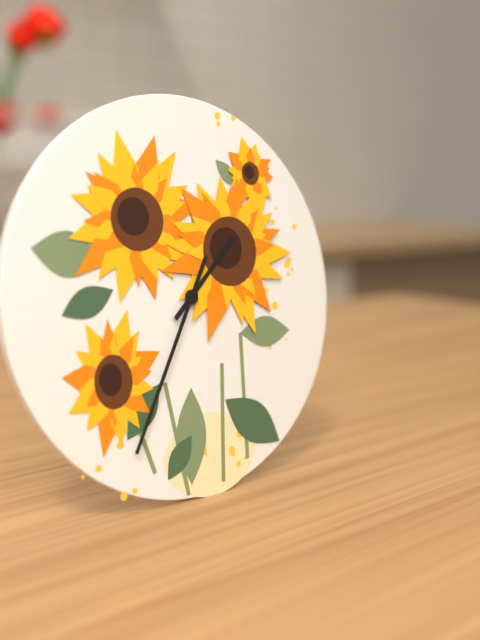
1h35
